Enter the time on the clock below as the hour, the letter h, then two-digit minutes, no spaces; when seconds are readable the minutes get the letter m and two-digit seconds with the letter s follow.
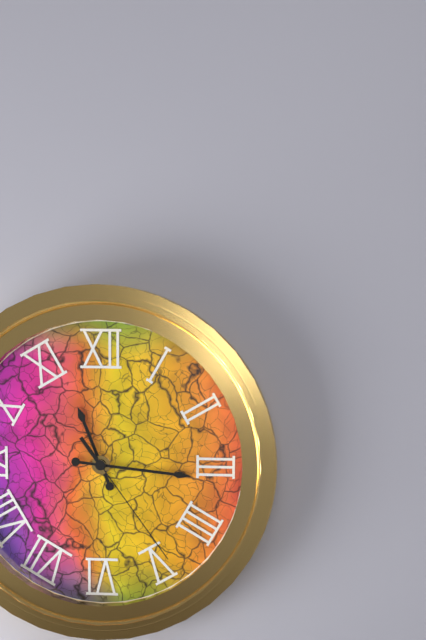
11h16m24s
